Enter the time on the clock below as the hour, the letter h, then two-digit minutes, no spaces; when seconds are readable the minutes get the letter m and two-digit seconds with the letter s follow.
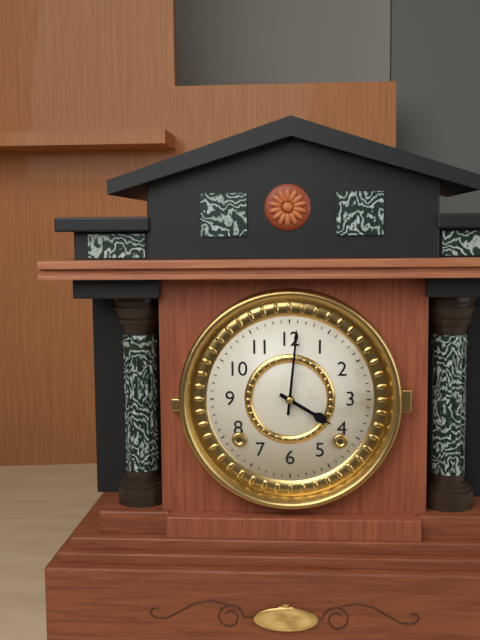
4h01
